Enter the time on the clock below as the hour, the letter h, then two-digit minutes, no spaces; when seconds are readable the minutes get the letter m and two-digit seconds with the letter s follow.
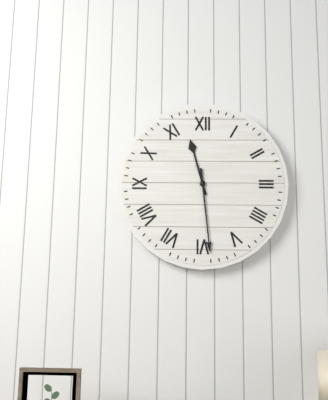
11h29
